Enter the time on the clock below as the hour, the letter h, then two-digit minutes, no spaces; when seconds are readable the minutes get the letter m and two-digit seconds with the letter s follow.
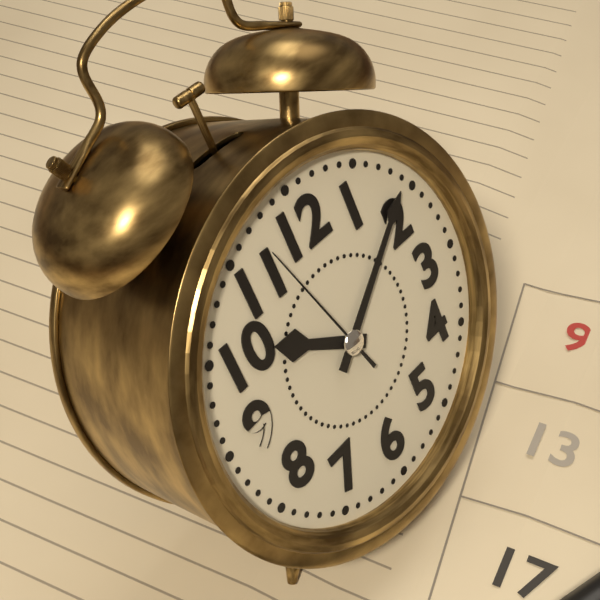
10h09m57s
